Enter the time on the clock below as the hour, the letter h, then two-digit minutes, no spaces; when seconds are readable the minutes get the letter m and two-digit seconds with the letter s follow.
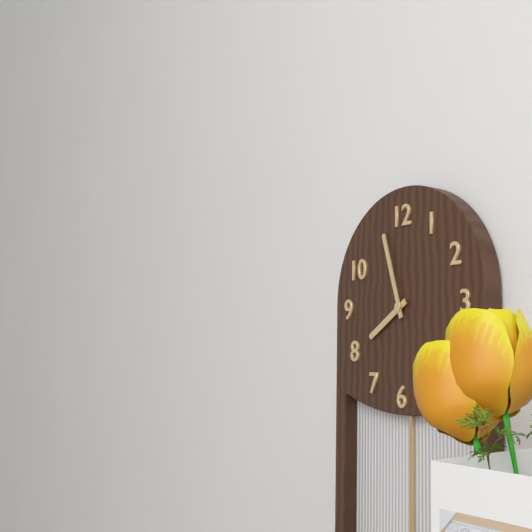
7h57
